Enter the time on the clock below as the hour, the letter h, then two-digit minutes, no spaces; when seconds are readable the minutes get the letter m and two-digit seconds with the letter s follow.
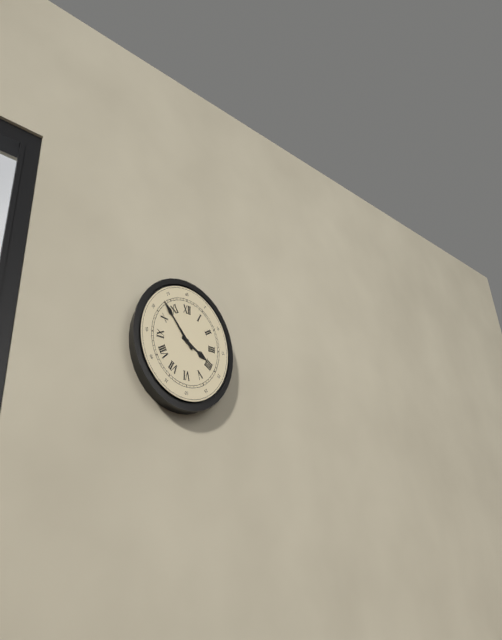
3h53
